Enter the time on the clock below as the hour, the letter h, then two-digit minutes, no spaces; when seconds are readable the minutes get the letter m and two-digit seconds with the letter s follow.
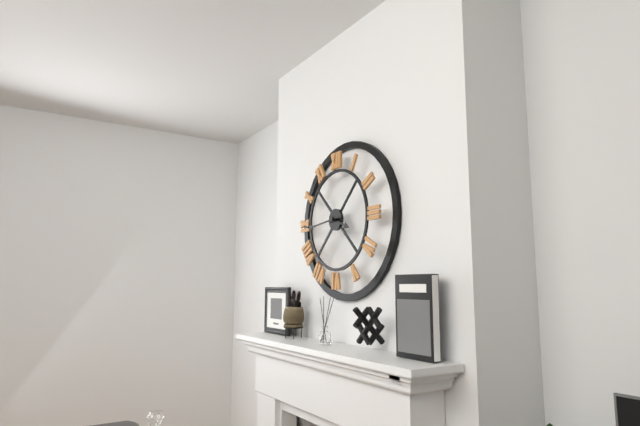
3h44
